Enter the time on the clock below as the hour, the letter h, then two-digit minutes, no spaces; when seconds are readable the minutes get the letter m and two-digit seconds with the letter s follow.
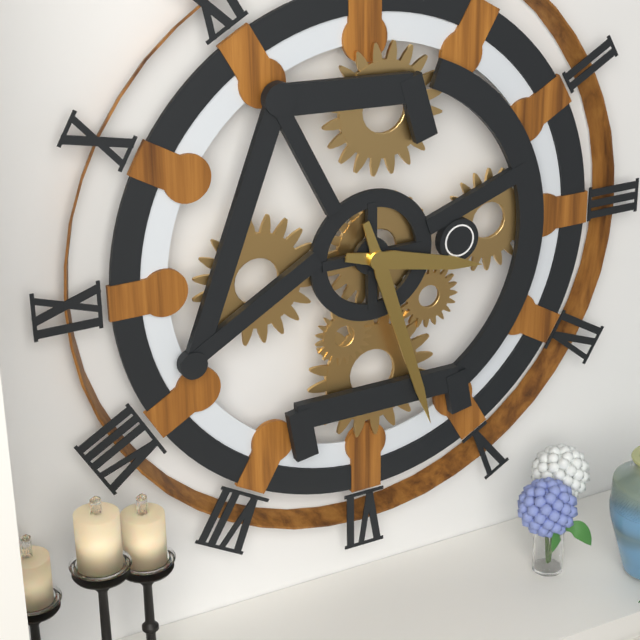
3h27
